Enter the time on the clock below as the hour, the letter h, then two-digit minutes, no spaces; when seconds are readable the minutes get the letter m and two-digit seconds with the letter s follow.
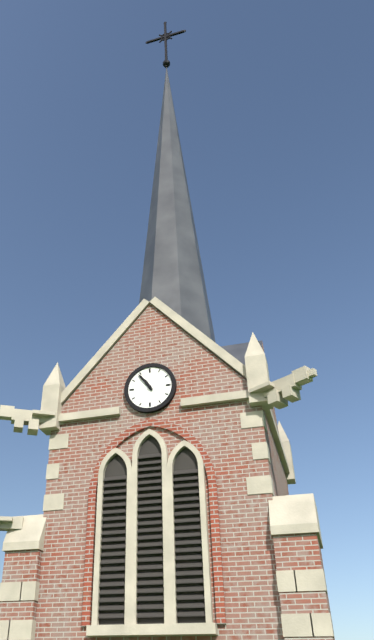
10h54
